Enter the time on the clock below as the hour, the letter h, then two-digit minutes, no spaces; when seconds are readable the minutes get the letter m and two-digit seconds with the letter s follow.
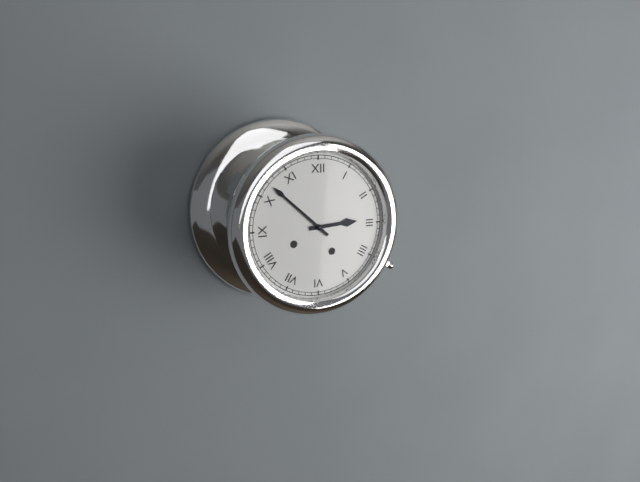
2h52
